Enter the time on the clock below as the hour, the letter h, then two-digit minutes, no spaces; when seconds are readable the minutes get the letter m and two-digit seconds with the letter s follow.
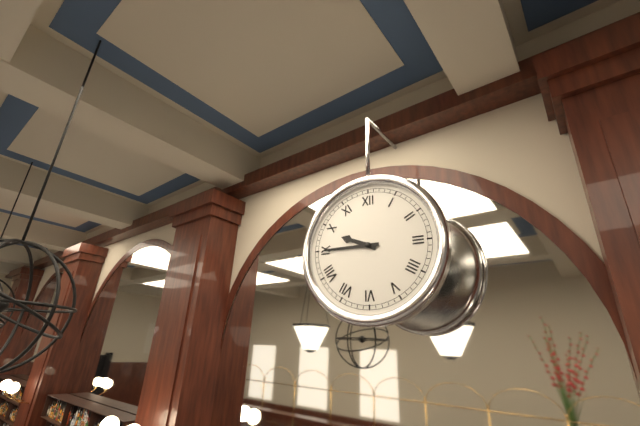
9h45
